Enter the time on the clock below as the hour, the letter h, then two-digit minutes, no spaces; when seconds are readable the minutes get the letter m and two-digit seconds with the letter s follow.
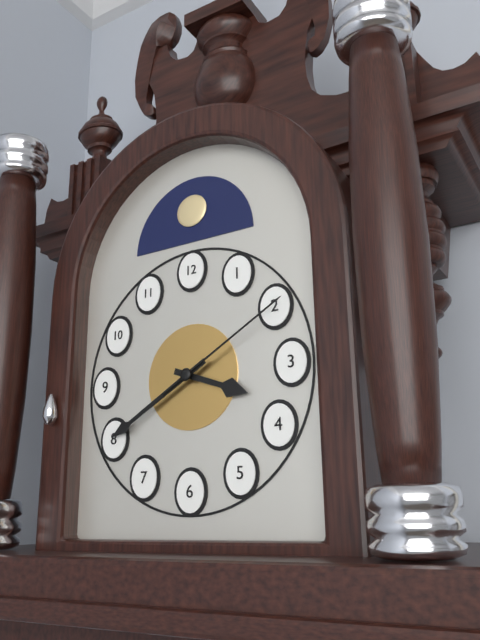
3h40m10s
